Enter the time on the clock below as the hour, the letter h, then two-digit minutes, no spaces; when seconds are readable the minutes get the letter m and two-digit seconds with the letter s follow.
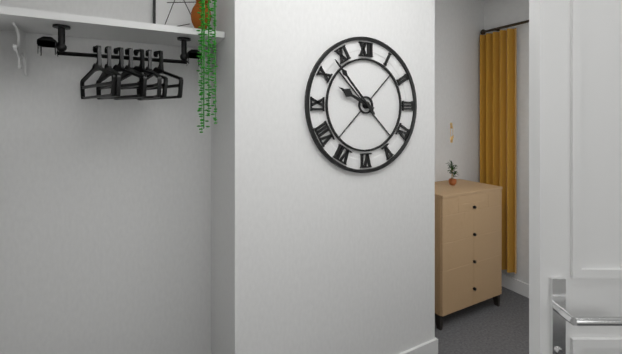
9h53
